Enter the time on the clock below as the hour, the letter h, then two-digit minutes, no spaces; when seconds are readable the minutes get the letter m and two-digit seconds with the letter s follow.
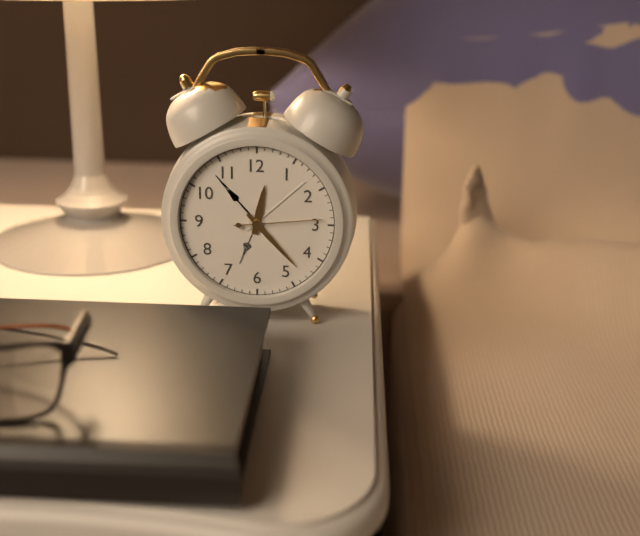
12h23m14s
